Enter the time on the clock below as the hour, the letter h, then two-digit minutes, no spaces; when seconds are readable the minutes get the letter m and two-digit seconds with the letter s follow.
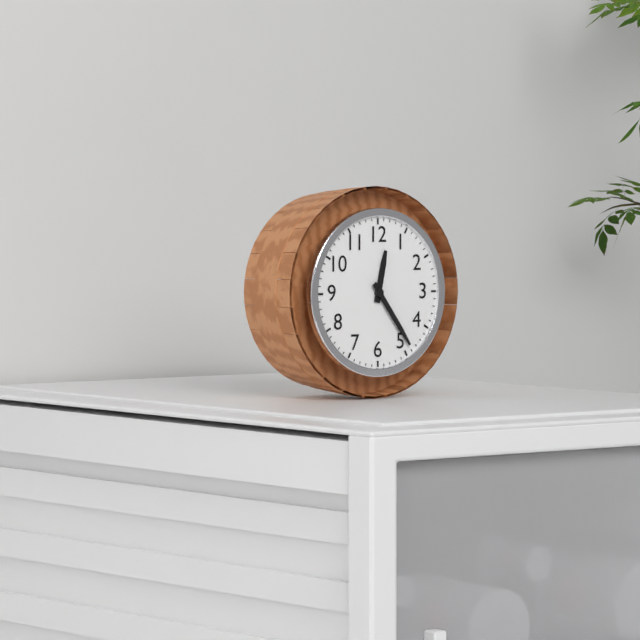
12h24
